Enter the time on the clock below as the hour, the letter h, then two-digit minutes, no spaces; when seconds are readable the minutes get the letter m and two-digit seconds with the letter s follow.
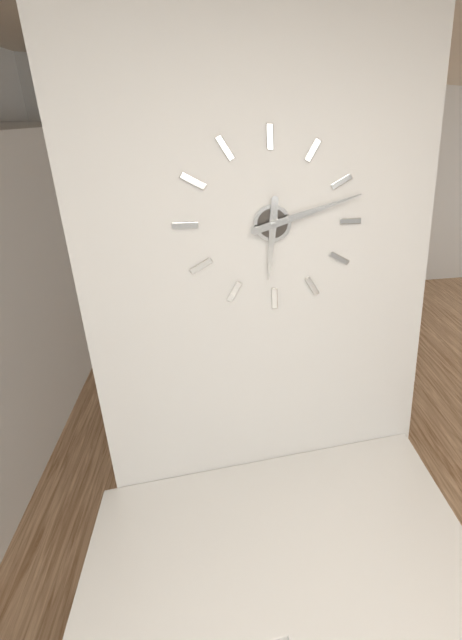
6h12
